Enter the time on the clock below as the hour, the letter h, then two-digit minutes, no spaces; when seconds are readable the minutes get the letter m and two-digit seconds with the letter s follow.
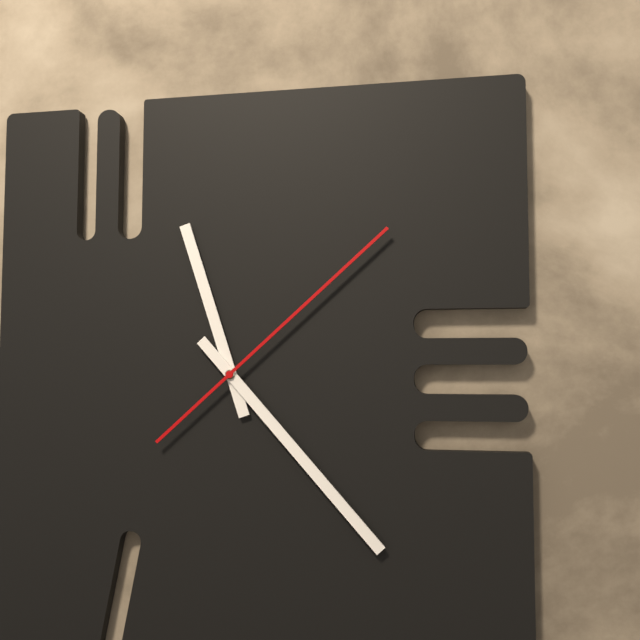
11h23m08s
